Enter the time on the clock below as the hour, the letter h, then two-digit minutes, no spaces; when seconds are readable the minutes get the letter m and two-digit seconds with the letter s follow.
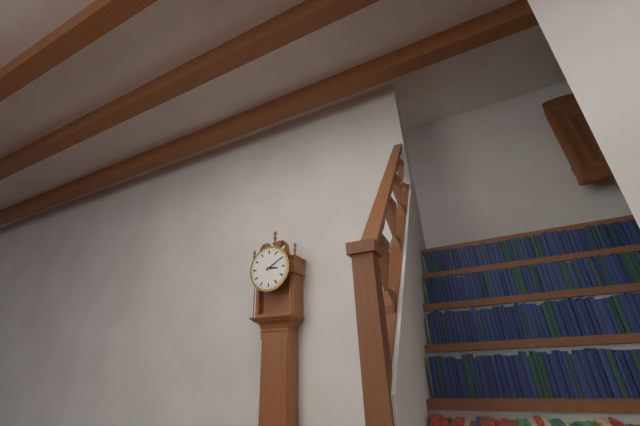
3h10
